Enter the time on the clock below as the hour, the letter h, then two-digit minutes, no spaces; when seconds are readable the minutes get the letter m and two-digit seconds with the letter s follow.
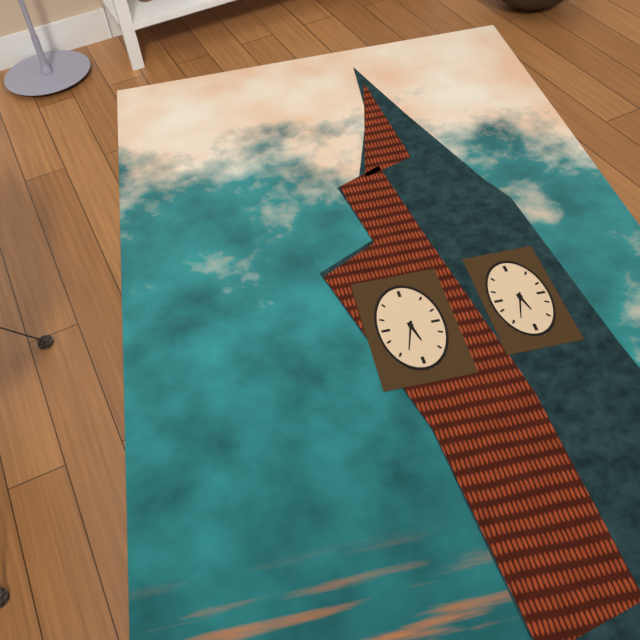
5h33
